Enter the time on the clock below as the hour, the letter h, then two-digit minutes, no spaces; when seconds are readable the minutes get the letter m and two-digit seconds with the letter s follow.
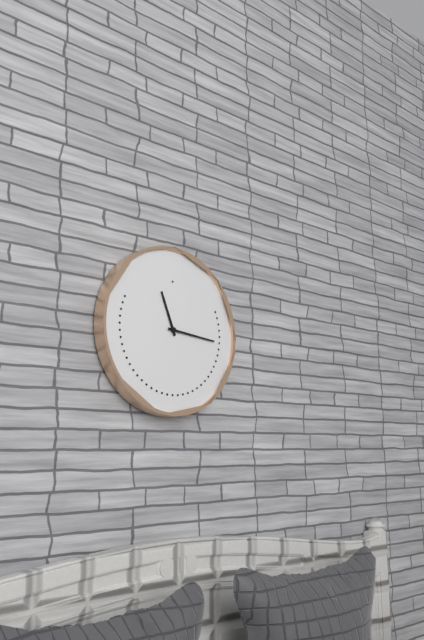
11h16
